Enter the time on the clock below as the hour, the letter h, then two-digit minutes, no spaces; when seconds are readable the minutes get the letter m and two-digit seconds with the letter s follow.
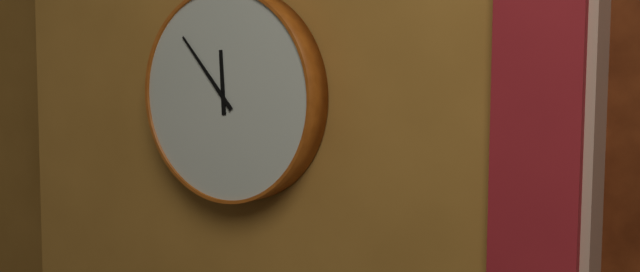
11h53
